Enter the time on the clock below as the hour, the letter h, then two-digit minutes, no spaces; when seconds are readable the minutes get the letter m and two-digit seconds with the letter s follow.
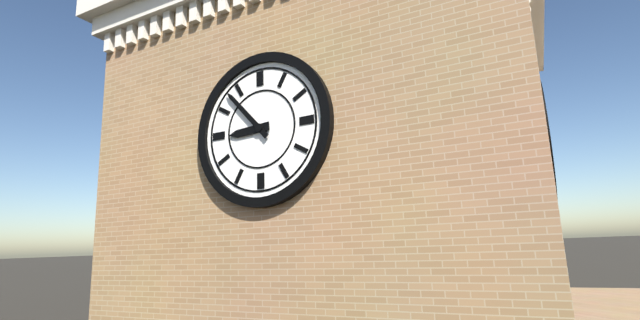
8h53
